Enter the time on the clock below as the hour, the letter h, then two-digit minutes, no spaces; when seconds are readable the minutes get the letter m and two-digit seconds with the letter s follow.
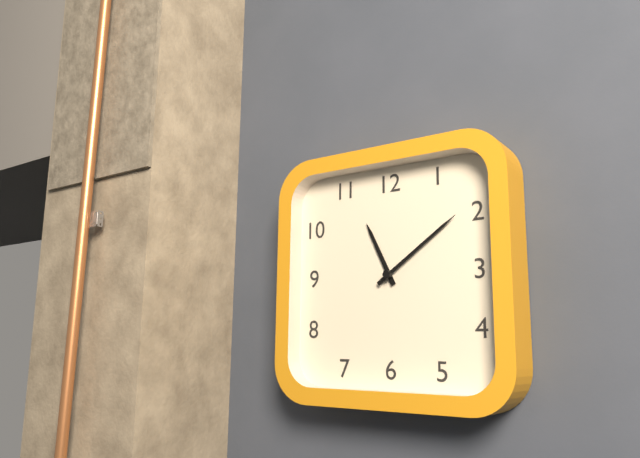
11h09
